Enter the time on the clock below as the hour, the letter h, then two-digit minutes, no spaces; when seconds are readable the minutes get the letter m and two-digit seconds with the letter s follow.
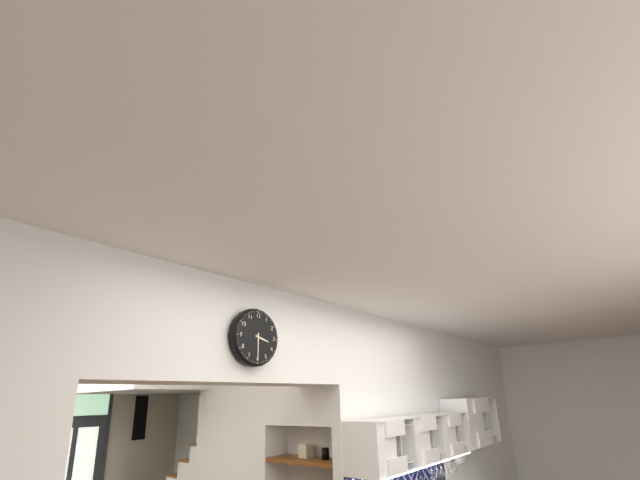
3h30
